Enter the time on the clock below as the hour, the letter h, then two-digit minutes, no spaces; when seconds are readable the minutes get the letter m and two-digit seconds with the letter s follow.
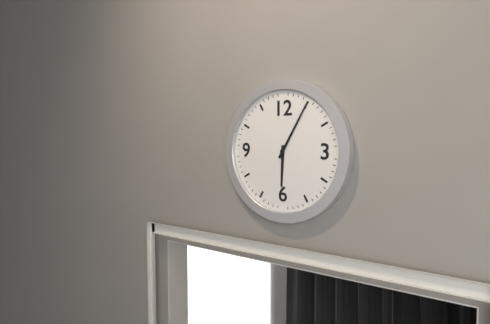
6h05
